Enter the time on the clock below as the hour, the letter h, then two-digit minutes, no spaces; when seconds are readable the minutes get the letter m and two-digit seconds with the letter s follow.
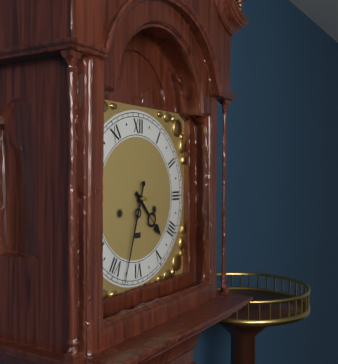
4h33
